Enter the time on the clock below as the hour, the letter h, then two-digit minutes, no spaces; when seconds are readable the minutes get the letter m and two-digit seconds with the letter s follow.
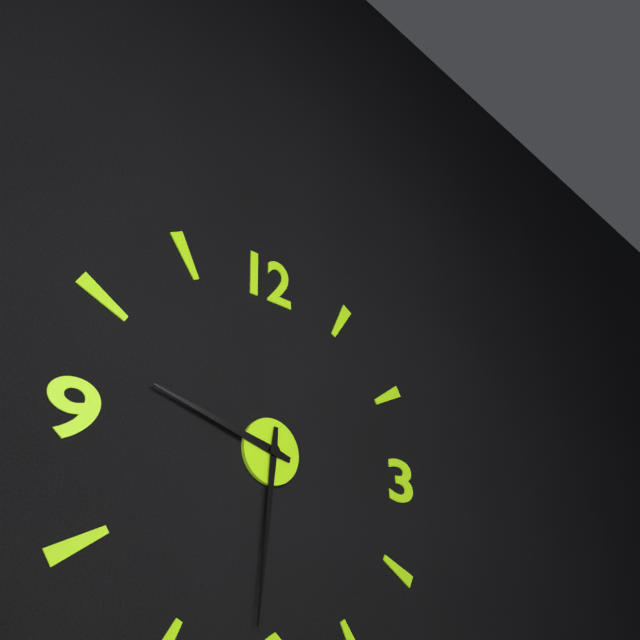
9h31
